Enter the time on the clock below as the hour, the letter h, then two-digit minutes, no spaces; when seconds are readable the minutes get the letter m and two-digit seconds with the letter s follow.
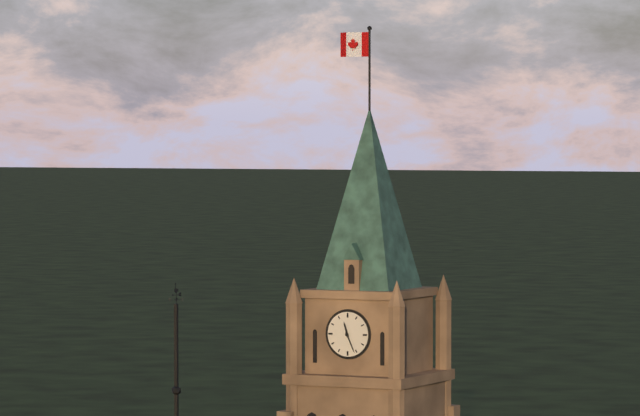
11h26
